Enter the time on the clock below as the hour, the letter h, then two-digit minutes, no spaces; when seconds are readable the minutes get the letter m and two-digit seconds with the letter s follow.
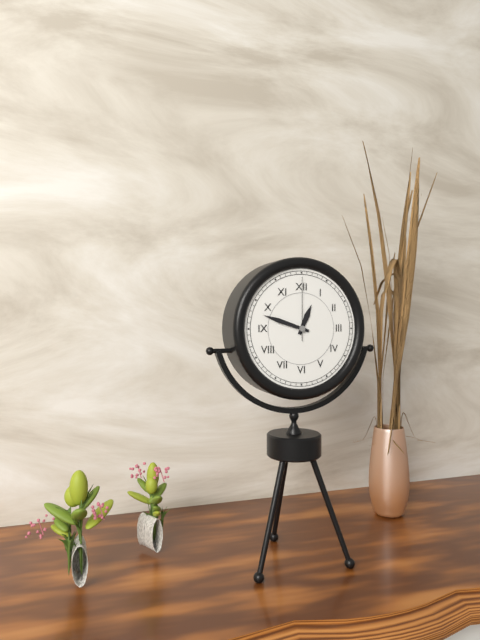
12h48m00s
